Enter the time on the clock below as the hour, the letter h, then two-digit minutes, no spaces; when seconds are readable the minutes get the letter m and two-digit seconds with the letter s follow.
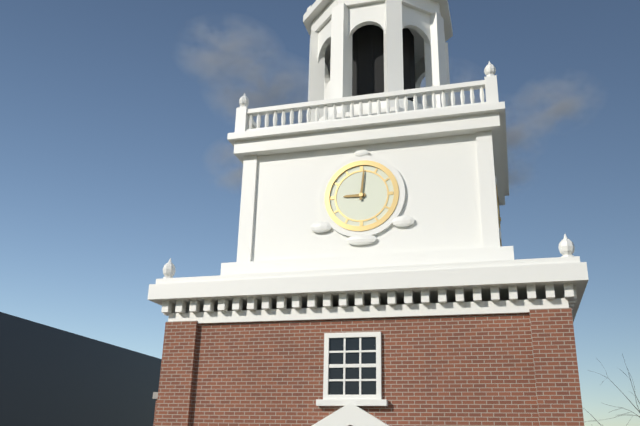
9h01
